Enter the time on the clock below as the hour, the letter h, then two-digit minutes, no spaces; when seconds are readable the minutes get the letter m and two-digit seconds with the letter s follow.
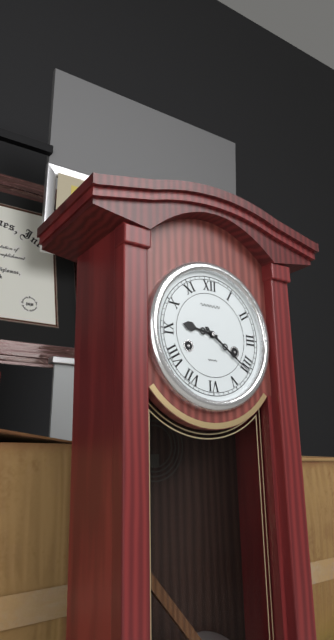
9h21
